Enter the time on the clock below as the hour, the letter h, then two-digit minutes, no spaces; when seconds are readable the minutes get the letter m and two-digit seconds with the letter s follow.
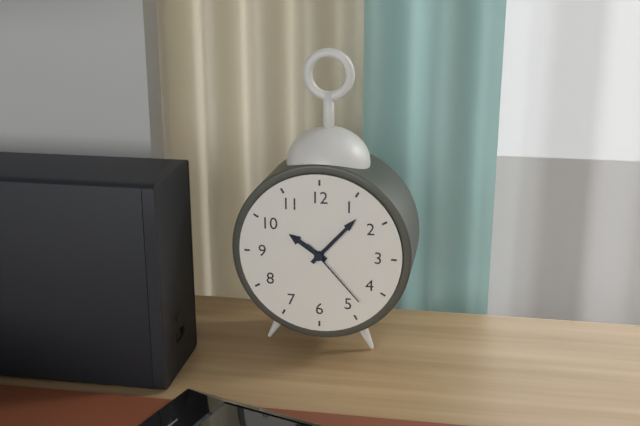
10h07m23s
